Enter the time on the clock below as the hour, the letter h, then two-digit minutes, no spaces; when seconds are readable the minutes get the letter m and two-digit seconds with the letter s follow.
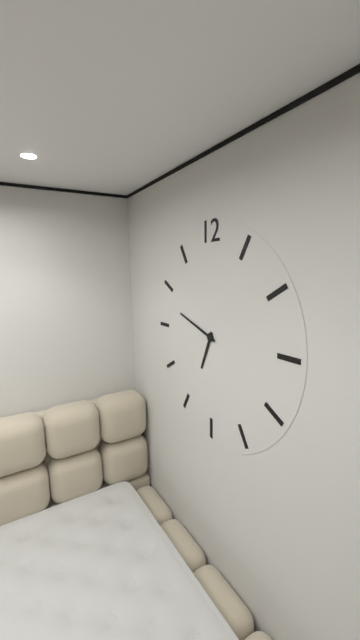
6h48
